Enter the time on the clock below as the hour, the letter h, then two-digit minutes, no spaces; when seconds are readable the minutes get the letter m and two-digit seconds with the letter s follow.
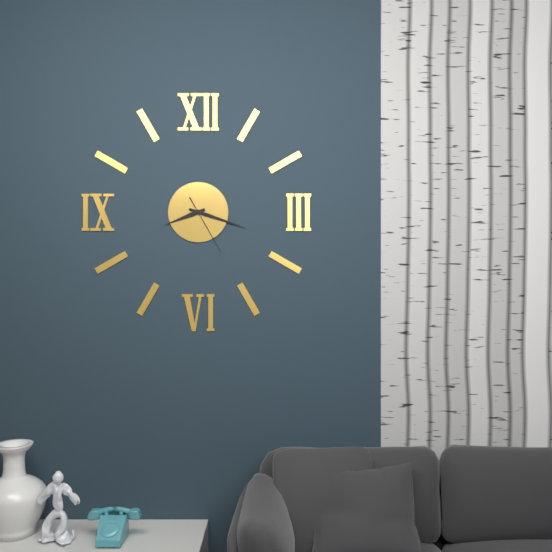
8h18m25s
